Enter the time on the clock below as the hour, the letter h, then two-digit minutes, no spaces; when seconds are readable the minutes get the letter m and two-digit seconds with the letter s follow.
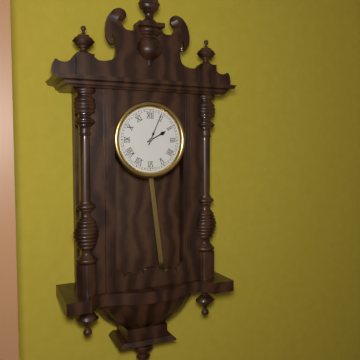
2h04
